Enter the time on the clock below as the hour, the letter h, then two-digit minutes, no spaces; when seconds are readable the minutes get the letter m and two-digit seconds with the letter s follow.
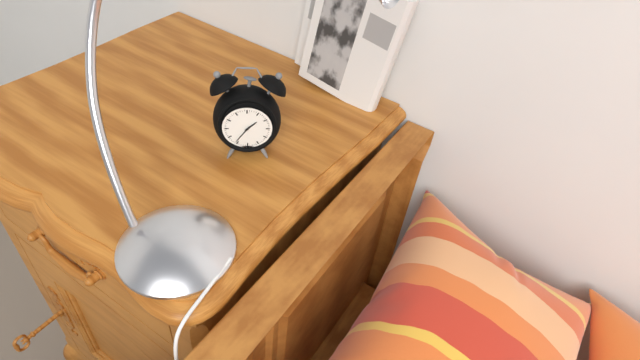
1h36
